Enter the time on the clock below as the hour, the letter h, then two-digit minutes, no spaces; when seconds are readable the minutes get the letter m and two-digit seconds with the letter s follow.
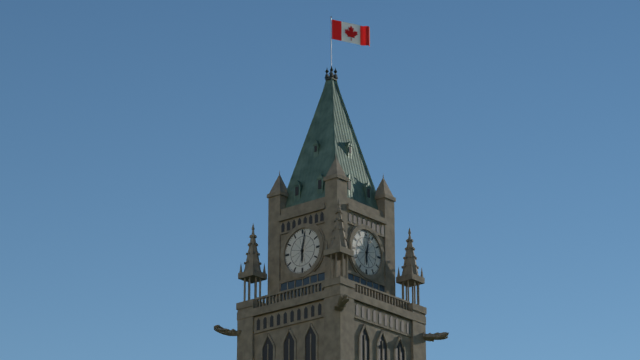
6h02
